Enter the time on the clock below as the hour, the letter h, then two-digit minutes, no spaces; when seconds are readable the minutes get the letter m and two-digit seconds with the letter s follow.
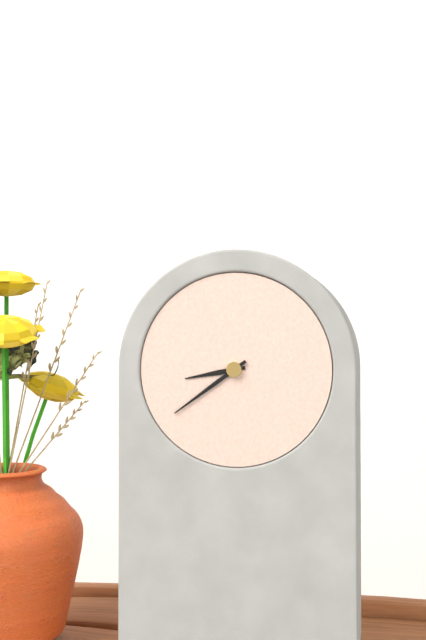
8h39
